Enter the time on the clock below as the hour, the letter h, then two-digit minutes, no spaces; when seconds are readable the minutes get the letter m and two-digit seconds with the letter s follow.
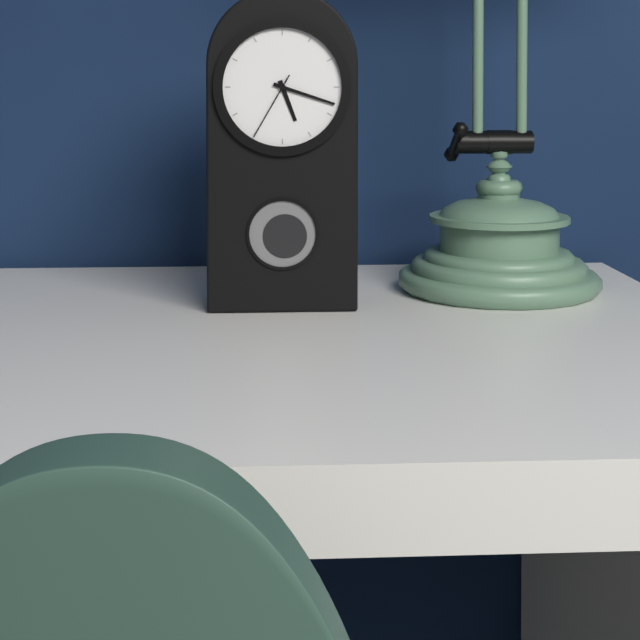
5h18m35s
